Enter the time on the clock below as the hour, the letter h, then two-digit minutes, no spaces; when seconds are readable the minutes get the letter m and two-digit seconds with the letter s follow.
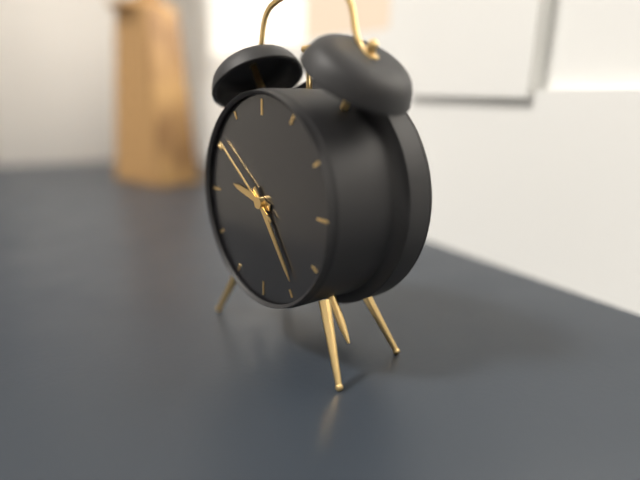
9h24m51s
